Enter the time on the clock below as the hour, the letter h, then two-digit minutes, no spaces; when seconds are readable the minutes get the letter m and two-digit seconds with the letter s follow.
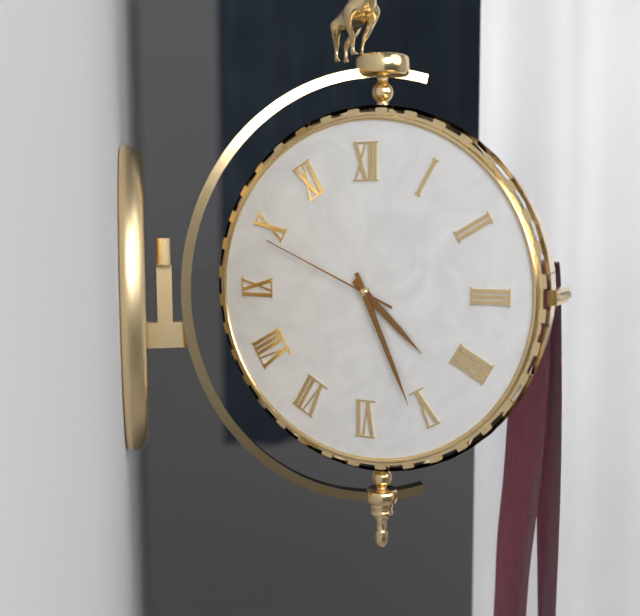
4h26m49s
